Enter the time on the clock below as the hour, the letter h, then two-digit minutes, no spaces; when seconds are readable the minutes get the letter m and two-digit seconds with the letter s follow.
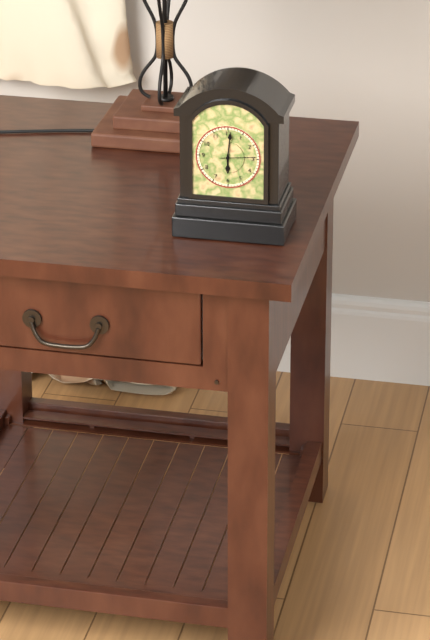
6h01
